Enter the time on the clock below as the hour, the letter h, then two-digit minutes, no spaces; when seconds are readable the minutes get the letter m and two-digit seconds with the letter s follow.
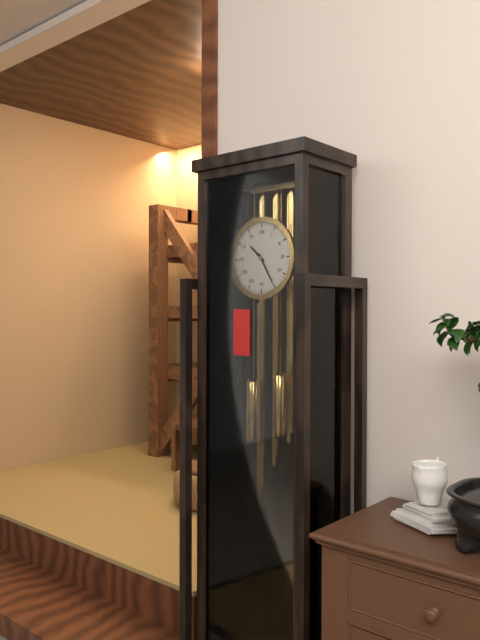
10h25
